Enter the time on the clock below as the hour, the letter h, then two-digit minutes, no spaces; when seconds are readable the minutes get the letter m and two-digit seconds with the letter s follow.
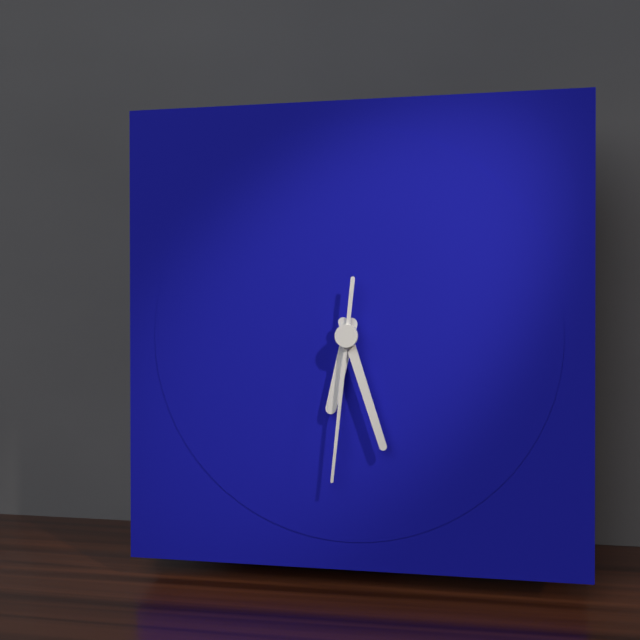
6h27m31s
